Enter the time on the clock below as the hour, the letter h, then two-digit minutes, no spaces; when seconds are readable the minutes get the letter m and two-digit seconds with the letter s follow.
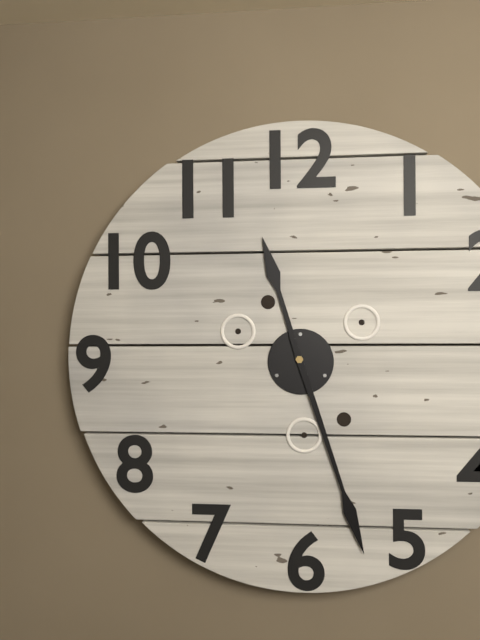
11h27
